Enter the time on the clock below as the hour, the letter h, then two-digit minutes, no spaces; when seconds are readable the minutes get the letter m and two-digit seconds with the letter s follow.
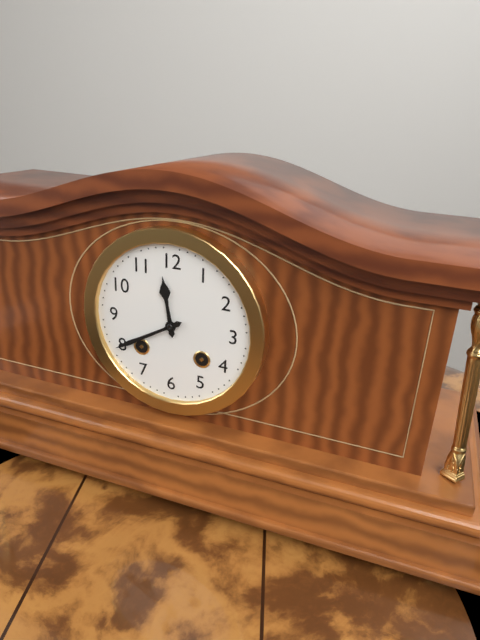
11h40
